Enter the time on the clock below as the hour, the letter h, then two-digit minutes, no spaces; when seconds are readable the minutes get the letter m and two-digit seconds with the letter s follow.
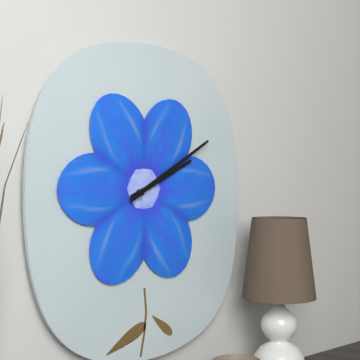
2h10
